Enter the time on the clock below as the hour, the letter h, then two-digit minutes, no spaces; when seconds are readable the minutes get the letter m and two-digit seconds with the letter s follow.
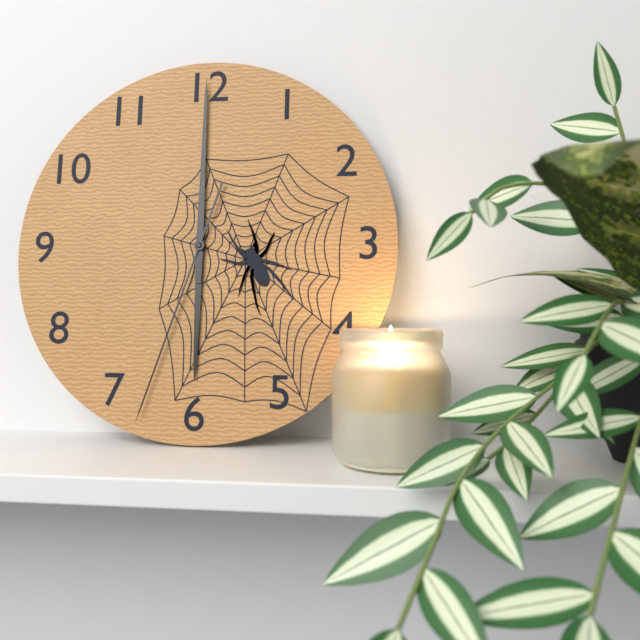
6h00m33s
